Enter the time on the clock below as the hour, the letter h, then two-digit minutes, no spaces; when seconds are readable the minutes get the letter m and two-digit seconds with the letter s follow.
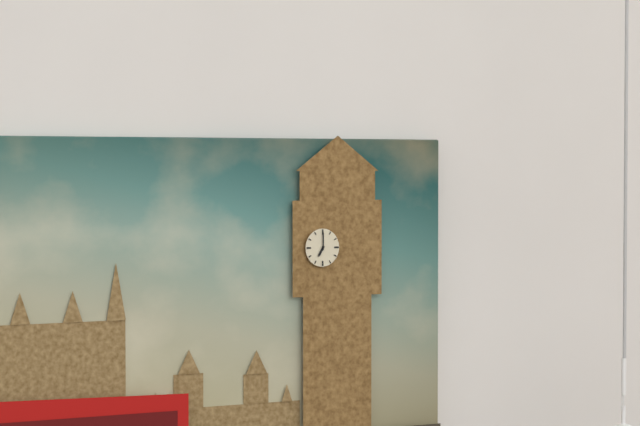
7h00
